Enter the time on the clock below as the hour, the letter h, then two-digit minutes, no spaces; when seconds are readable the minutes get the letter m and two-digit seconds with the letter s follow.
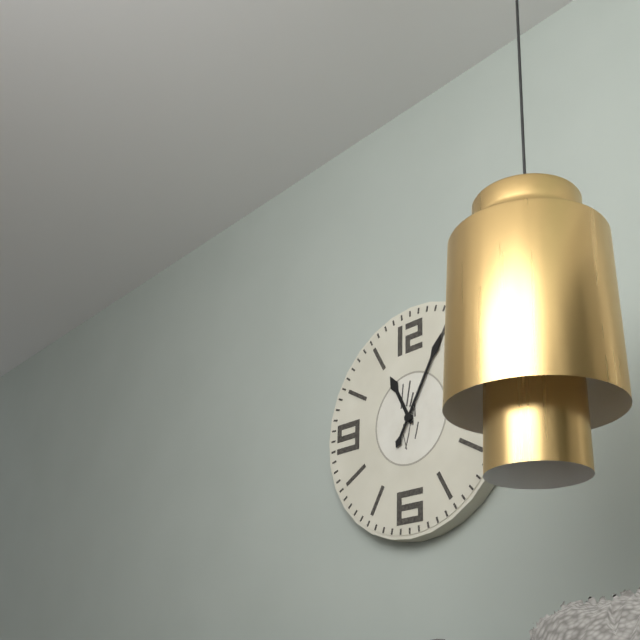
11h05
